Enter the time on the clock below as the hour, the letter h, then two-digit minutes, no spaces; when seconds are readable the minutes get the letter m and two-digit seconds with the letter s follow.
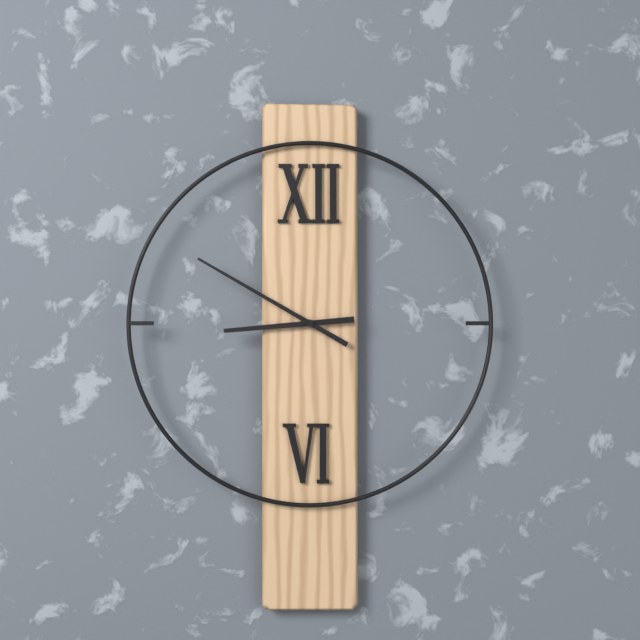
8h50
